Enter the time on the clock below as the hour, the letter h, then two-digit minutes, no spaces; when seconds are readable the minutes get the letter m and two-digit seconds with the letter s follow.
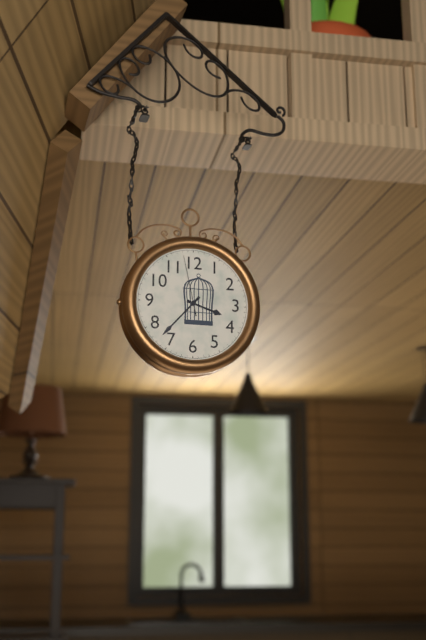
3h37m58s
